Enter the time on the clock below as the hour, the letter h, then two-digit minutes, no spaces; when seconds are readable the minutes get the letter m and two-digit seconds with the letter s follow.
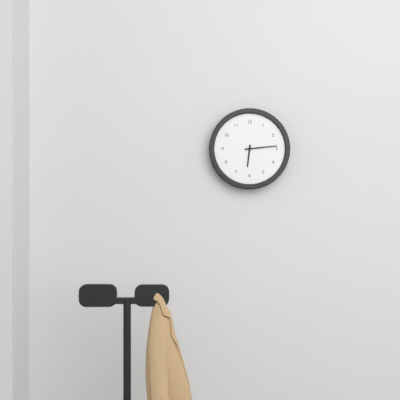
6h14
